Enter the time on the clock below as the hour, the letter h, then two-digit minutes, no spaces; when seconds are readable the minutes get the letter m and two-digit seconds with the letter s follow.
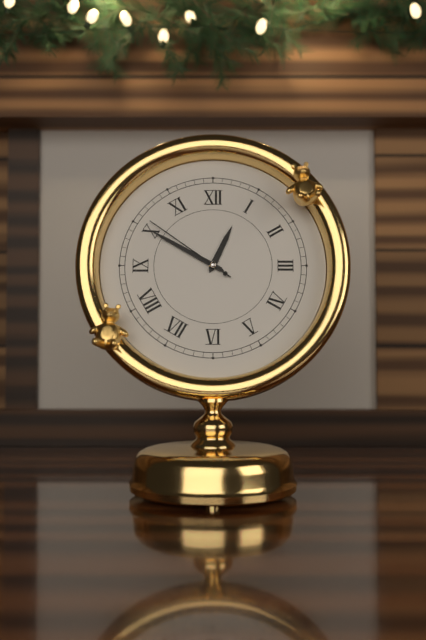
12h50m51s
